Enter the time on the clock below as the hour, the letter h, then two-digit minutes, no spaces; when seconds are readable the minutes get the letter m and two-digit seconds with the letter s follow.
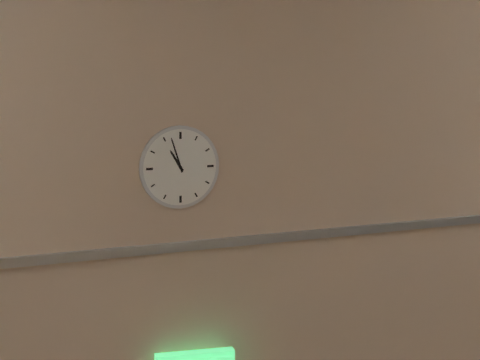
10h57
